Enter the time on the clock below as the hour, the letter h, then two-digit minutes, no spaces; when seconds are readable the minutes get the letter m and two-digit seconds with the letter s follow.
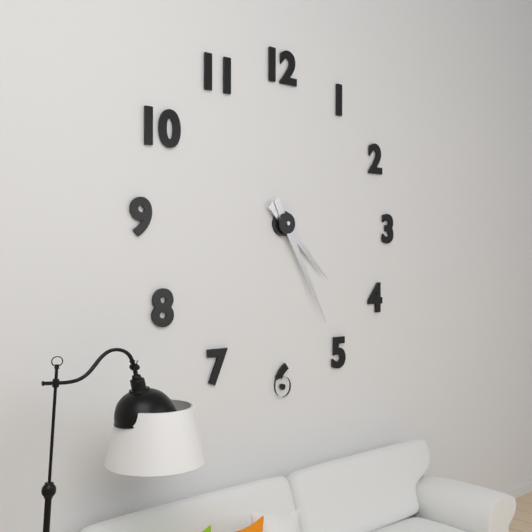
4h25
